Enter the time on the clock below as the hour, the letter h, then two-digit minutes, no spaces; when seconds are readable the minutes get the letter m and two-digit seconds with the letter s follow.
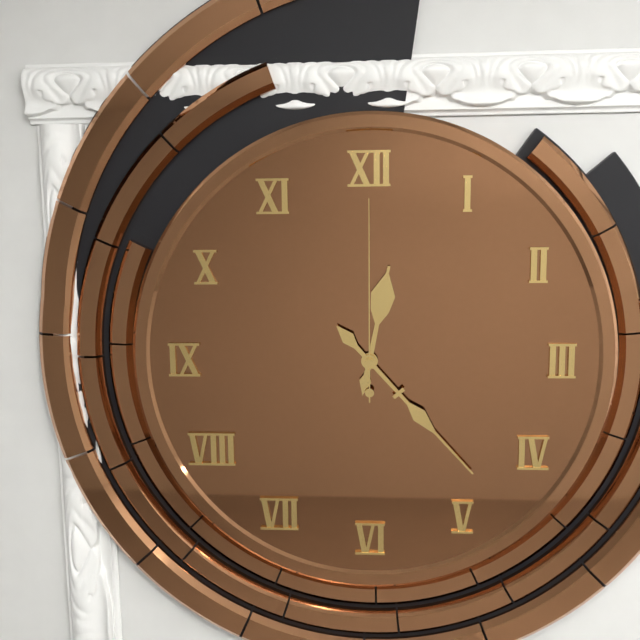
12h23m00s
